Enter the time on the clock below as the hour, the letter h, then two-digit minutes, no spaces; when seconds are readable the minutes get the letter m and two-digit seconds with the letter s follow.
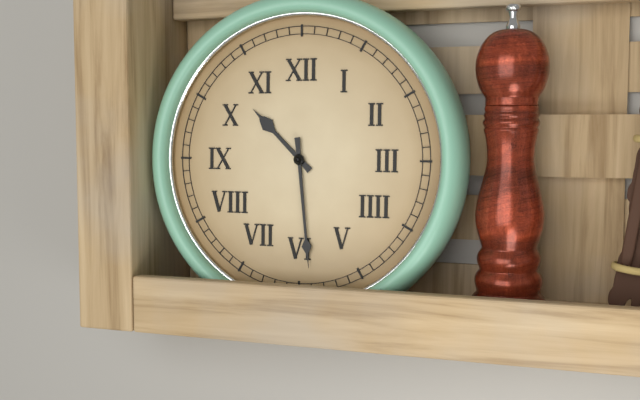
10h29
